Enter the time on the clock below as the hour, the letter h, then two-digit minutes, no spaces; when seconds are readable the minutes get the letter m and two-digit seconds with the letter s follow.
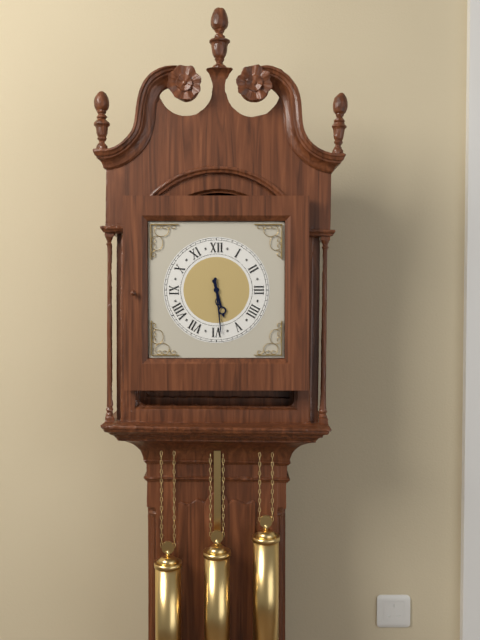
5h29
